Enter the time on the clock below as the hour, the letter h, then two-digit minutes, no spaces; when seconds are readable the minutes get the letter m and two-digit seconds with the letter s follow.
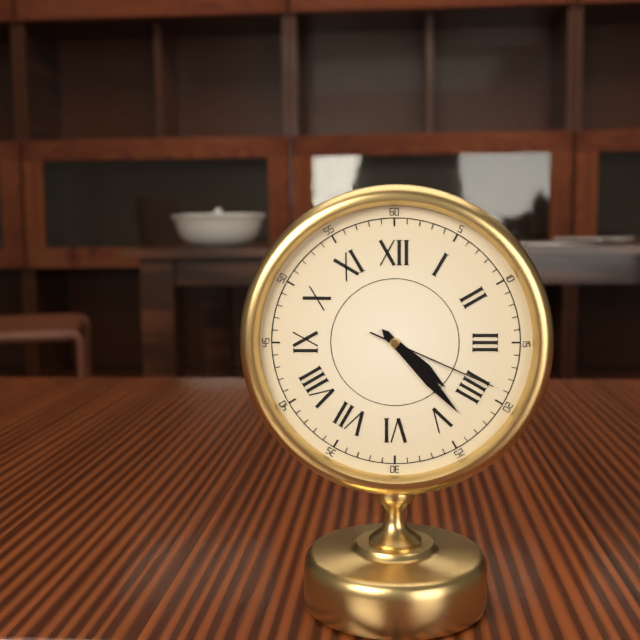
4h23m19s
